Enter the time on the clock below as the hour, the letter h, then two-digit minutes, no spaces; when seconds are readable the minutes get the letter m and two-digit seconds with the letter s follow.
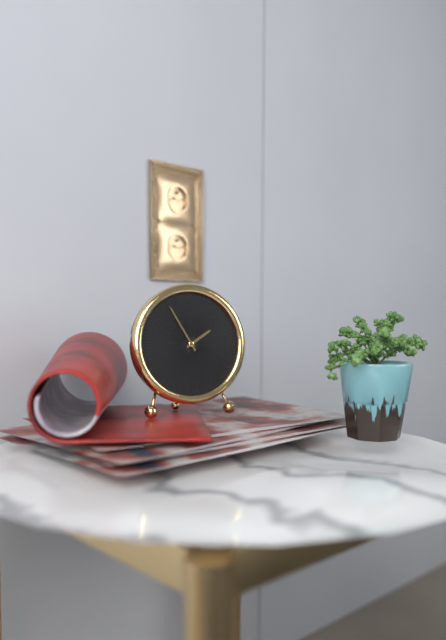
1h55
